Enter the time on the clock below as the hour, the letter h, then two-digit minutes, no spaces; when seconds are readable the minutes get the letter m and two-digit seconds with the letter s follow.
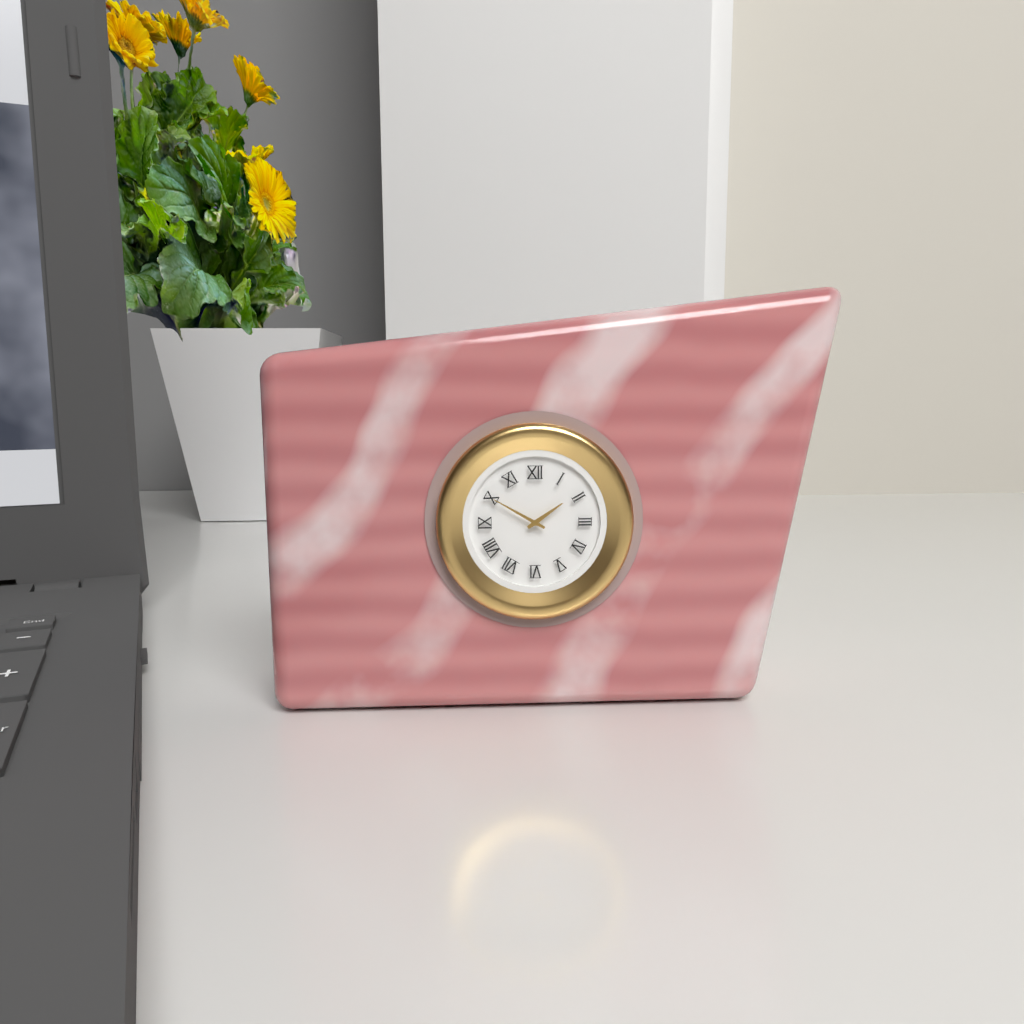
1h50
